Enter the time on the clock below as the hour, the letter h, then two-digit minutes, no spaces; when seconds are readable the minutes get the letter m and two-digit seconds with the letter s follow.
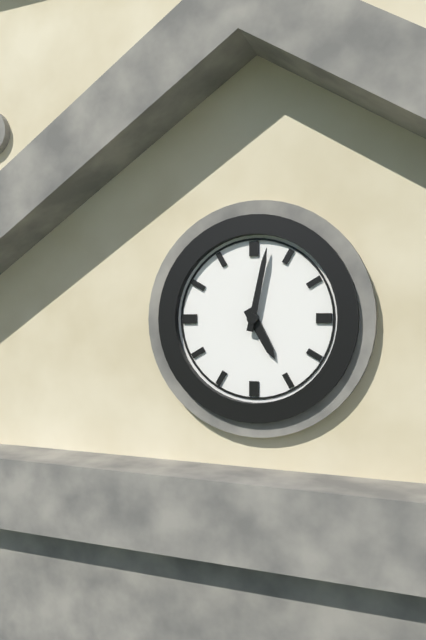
5h02
